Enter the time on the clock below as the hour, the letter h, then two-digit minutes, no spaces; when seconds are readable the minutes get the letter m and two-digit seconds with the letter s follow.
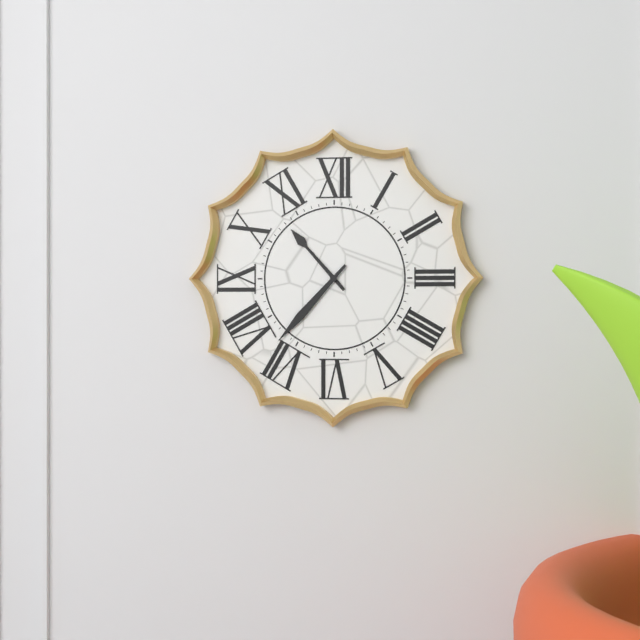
10h37
